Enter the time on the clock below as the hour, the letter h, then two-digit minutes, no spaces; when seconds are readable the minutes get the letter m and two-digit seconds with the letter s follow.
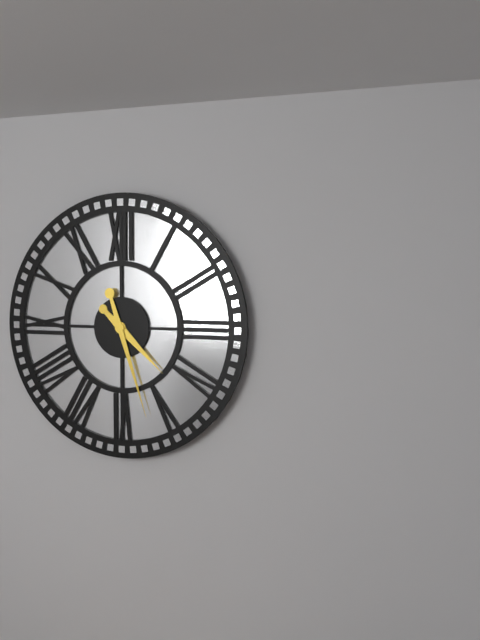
4h27
